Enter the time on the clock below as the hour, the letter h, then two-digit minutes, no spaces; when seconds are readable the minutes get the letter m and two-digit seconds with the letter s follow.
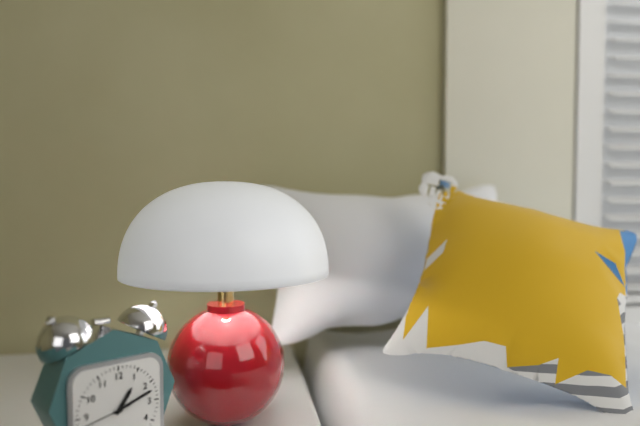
1h12
